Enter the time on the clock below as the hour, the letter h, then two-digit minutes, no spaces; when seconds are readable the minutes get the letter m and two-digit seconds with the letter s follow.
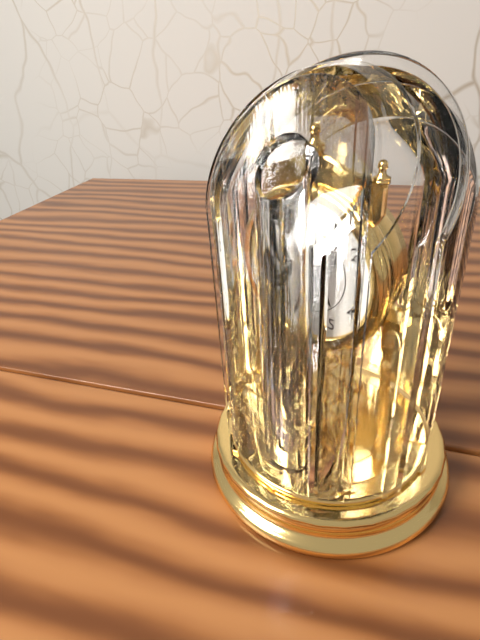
4h33
